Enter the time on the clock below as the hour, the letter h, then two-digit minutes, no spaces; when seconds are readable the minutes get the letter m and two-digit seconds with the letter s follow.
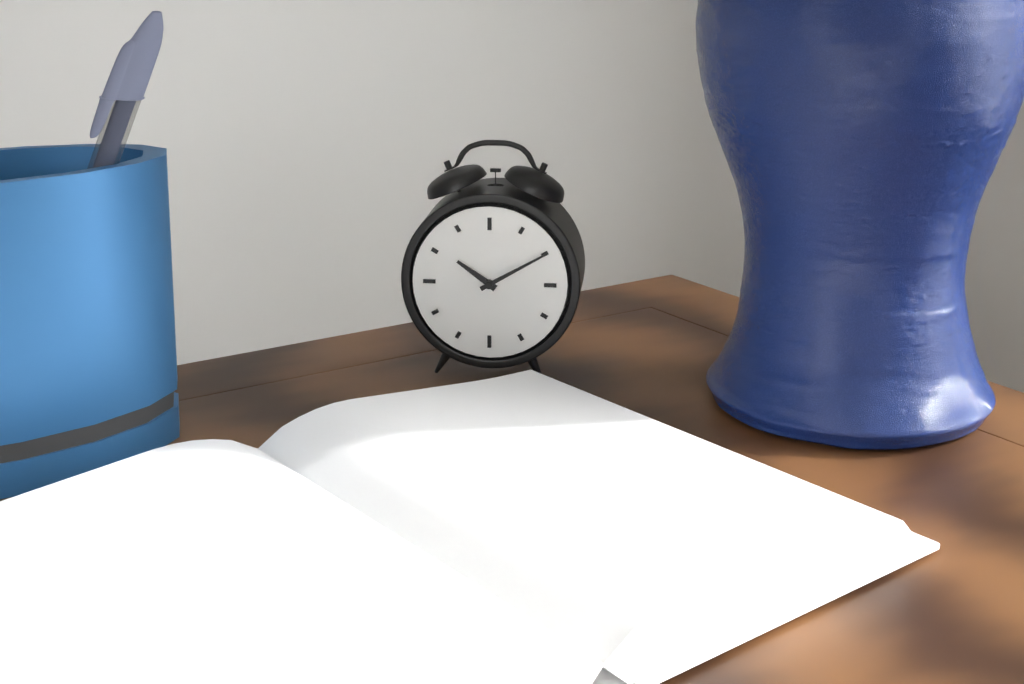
10h10
